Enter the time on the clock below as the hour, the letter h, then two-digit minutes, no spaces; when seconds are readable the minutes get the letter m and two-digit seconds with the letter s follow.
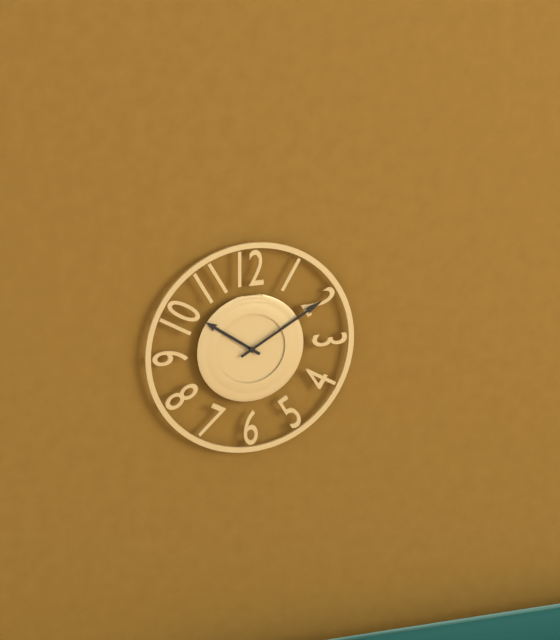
10h10
